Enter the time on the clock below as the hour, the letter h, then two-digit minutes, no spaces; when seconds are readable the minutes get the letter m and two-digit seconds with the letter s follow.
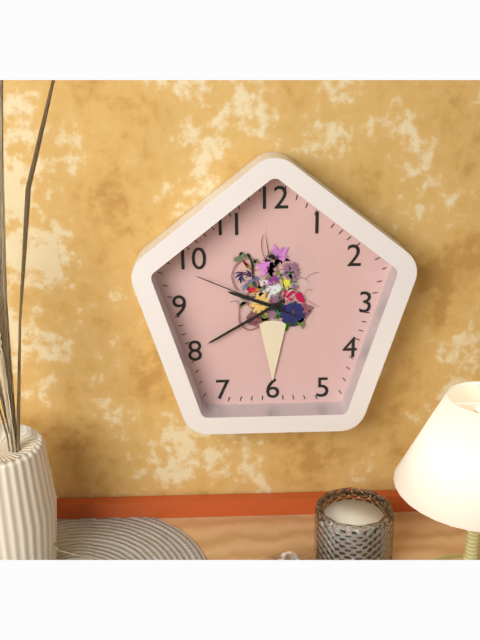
9h40m49s
